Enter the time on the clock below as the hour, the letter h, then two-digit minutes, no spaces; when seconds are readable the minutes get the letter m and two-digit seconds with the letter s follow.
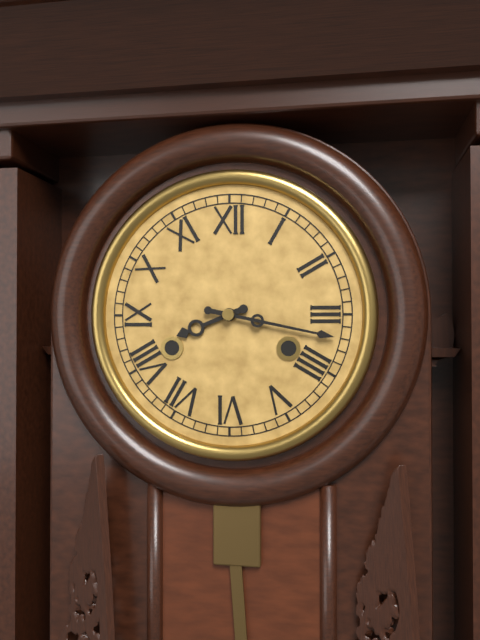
8h17
